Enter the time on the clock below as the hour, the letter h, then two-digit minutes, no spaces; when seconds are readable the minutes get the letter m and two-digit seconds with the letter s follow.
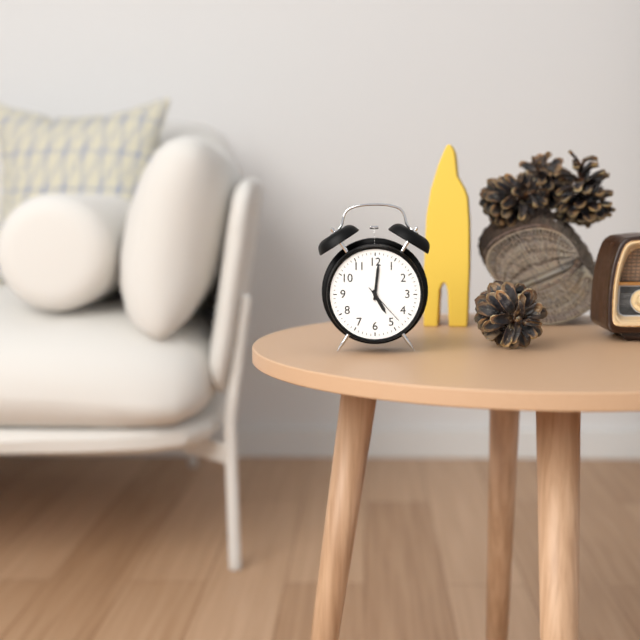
5h01
